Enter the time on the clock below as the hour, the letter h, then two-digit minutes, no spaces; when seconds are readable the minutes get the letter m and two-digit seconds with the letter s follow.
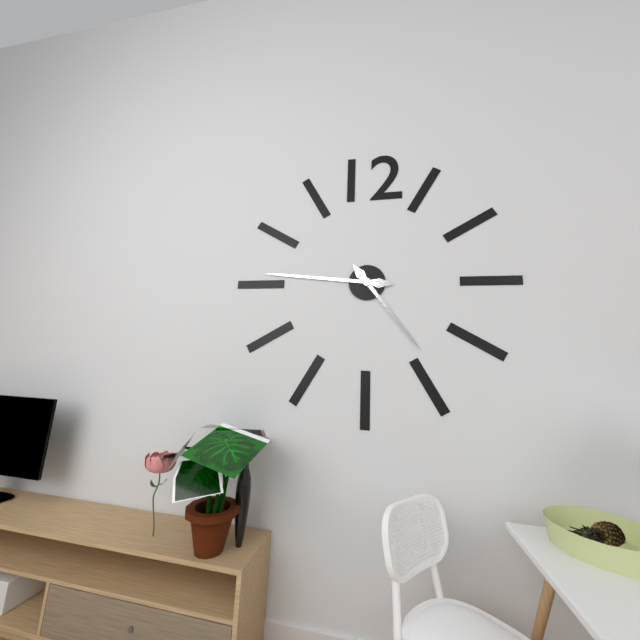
4h46
